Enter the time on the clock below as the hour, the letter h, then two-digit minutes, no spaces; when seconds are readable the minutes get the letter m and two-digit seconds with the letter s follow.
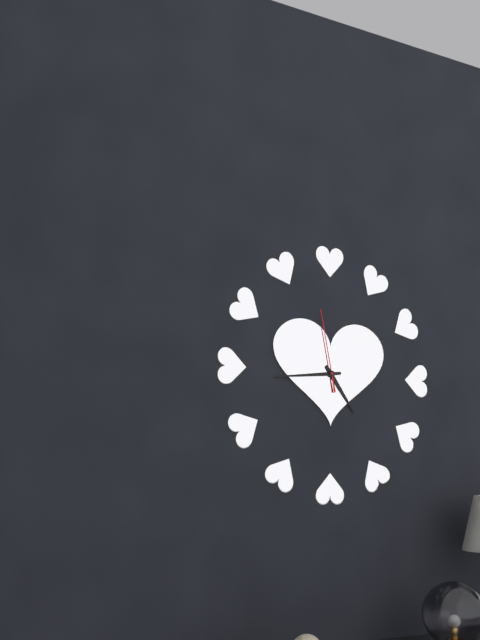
4h44m58s
